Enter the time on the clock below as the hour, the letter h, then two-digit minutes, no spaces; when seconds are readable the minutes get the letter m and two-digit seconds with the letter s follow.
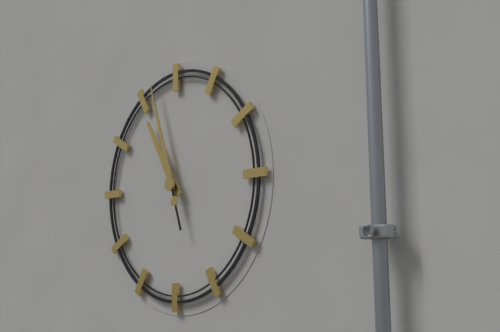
10h57
